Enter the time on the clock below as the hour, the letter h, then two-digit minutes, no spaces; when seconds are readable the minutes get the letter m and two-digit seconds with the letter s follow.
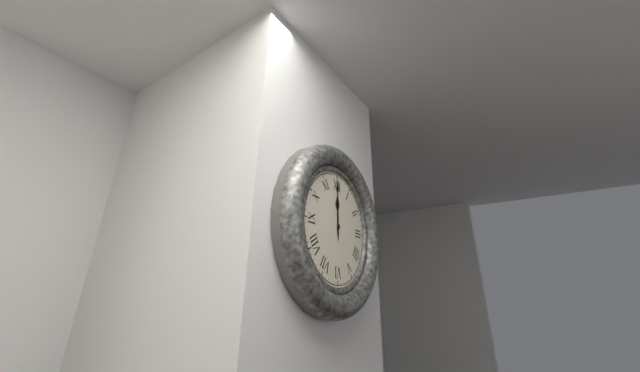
12h00
